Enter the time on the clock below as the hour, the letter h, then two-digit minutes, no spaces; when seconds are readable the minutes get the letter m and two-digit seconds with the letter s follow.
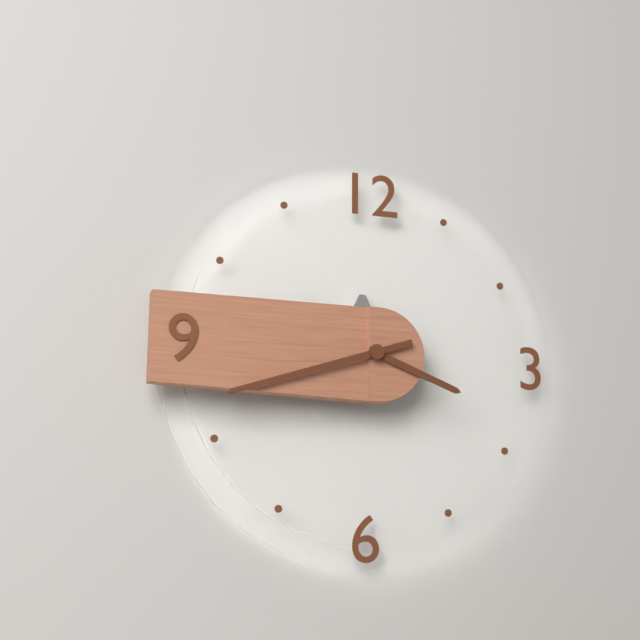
3h42
